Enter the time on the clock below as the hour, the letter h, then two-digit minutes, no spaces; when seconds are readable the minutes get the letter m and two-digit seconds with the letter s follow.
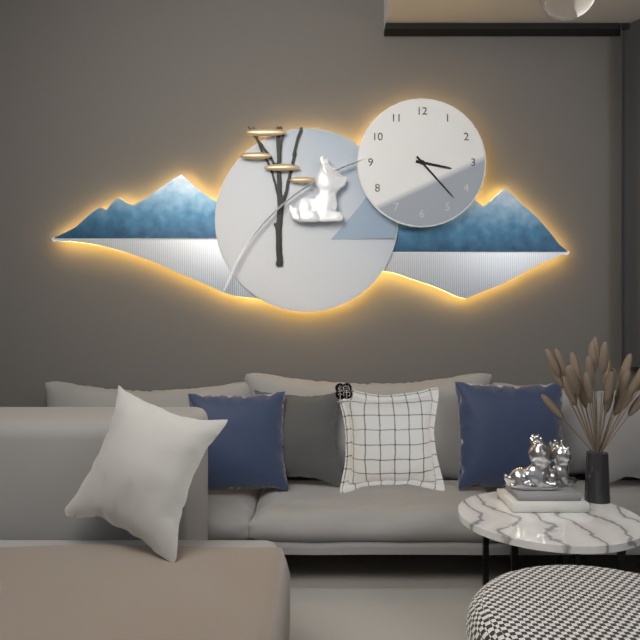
3h23
